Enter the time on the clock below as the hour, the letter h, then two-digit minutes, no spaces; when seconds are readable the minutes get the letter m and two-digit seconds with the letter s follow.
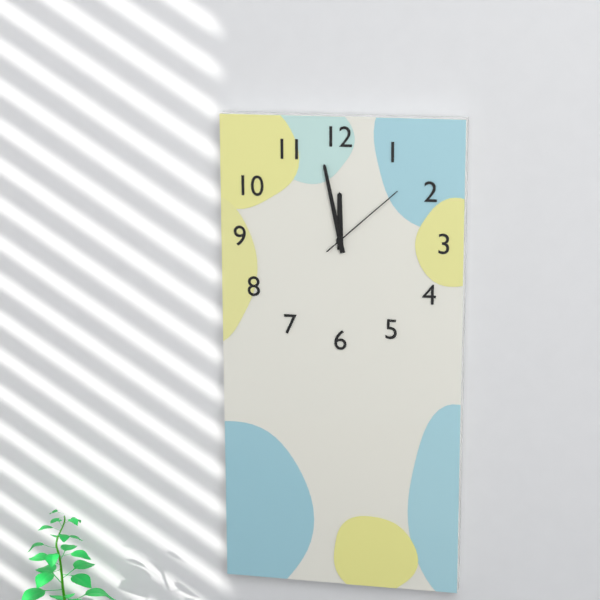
11h58m08s
